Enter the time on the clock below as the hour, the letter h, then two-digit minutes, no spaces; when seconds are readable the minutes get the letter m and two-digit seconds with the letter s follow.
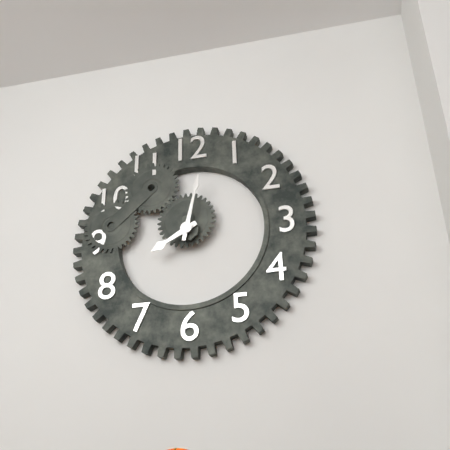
8h02
